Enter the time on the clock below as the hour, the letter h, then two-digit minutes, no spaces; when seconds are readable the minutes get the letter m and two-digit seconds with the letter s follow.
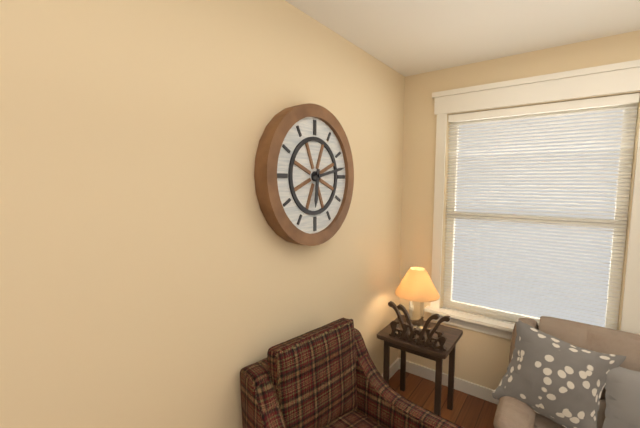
6h13
